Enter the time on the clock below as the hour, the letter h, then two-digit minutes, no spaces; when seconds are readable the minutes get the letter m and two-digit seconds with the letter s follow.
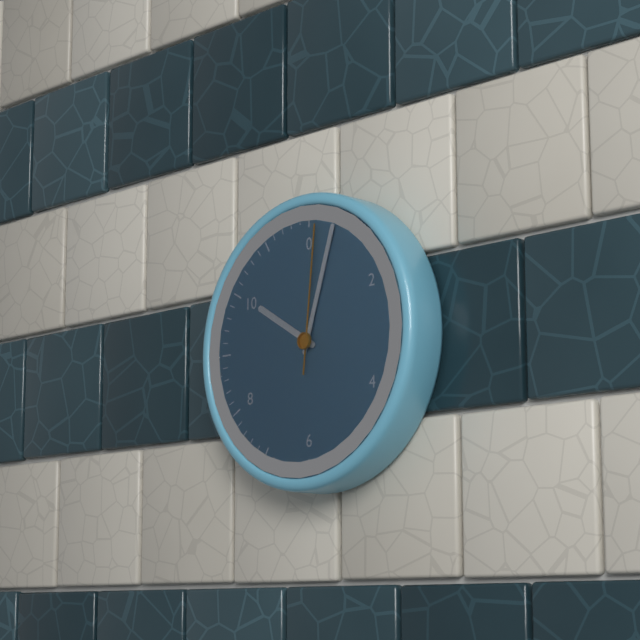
10h03m01s
